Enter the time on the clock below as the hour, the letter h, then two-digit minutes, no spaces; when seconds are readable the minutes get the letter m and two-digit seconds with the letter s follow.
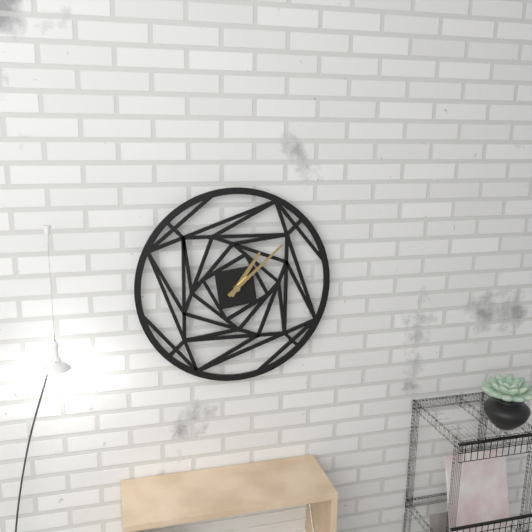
1h08
